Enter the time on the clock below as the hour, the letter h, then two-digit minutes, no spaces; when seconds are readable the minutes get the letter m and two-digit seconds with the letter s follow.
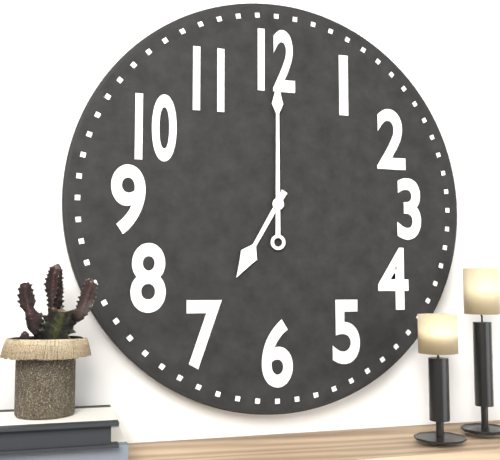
7h00
